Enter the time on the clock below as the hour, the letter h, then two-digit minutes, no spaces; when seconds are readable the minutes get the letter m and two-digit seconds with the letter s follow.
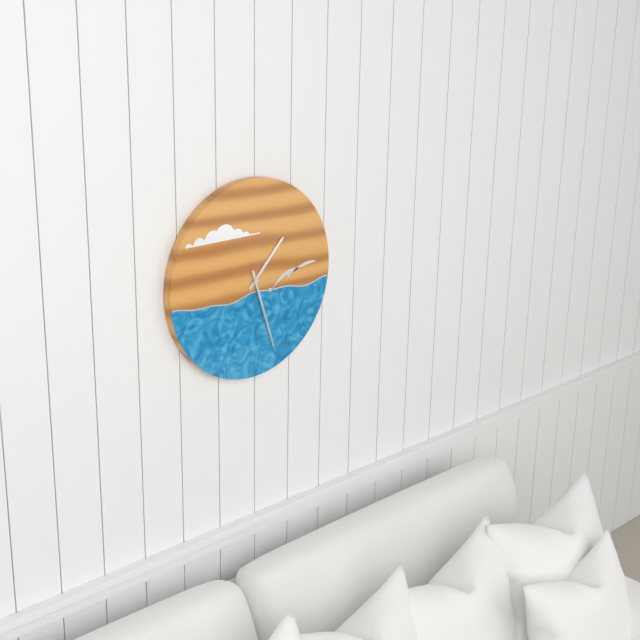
1h27
